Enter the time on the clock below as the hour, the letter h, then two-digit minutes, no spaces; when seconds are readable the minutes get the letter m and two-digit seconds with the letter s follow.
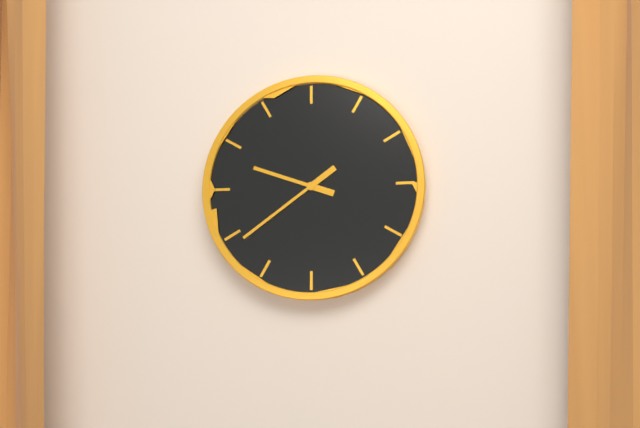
9h39
